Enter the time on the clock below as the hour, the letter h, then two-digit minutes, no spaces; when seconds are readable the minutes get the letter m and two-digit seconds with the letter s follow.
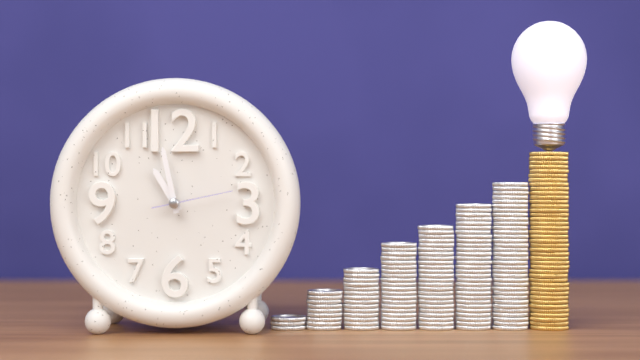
10h58m13s
